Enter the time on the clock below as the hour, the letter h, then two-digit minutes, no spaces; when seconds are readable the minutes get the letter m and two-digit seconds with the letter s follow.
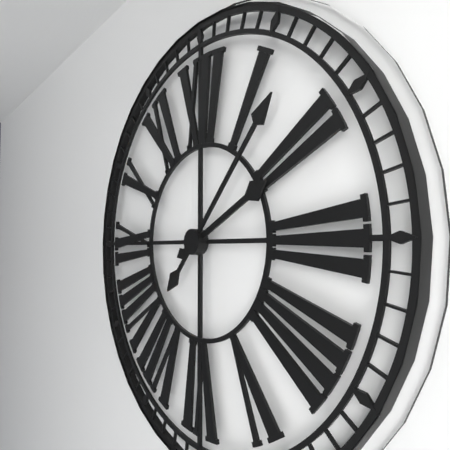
2h07
